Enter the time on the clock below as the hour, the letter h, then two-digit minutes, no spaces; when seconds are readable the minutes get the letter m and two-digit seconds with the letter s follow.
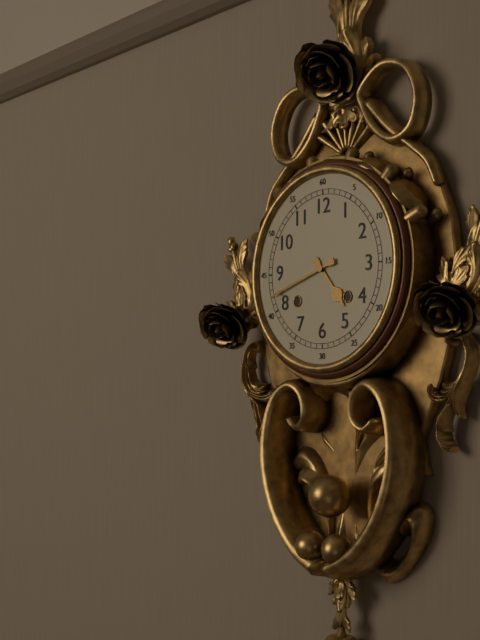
4h42
